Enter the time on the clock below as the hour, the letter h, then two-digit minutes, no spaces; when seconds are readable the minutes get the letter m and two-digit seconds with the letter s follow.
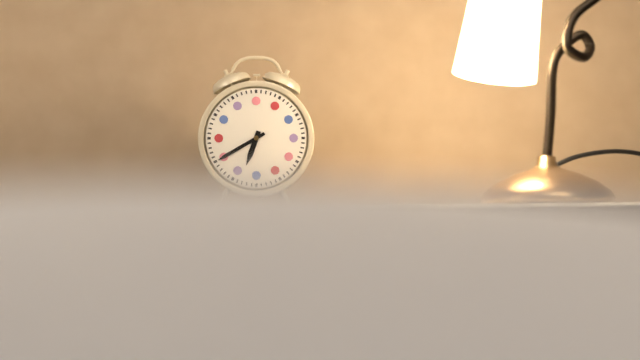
6h40
